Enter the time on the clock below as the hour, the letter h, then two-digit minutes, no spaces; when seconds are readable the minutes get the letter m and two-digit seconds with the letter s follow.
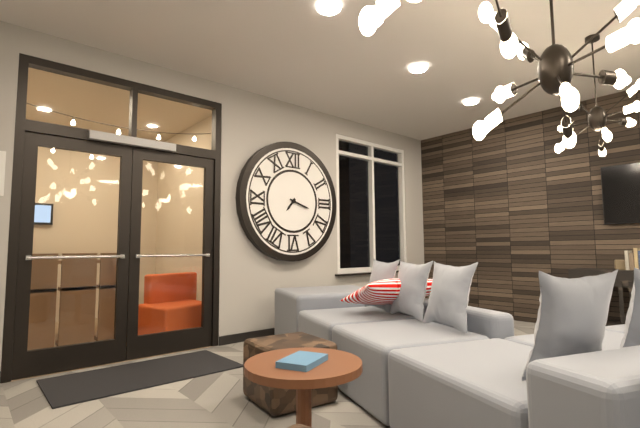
7h18
